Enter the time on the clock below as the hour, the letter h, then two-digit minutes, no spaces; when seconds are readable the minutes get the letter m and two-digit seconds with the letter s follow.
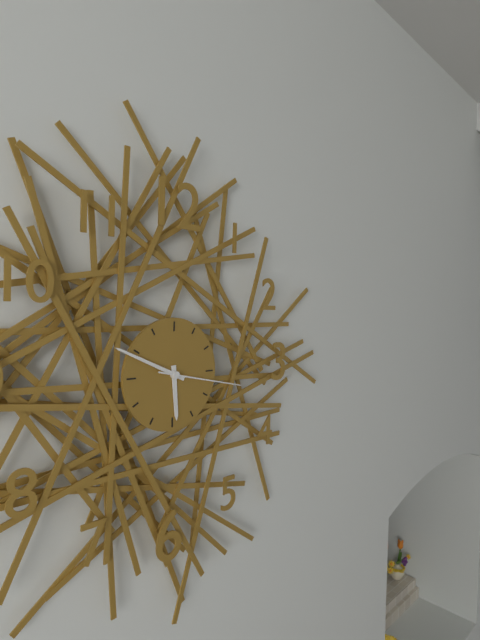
5h49m17s
